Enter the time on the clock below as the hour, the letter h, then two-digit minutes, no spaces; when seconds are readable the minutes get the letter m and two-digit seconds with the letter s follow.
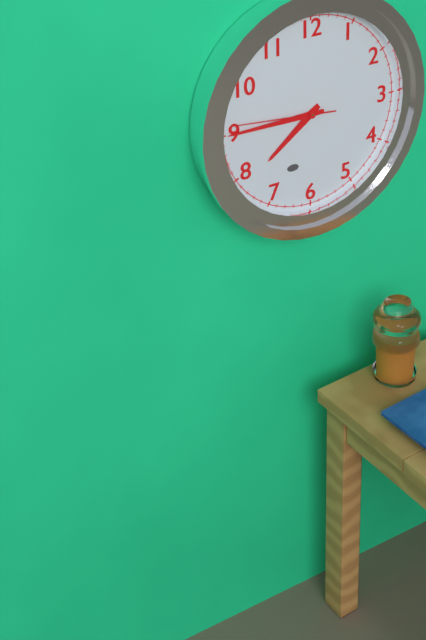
7h45m46s
